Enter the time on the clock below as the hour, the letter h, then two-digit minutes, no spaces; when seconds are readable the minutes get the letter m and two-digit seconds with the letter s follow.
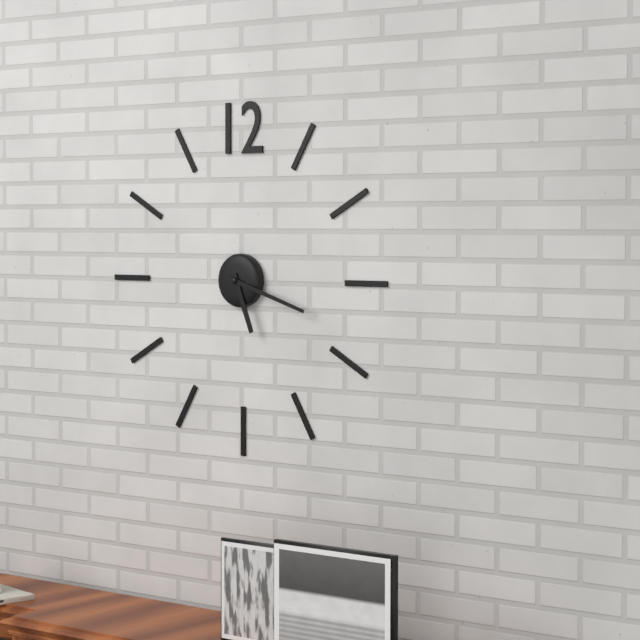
5h18
